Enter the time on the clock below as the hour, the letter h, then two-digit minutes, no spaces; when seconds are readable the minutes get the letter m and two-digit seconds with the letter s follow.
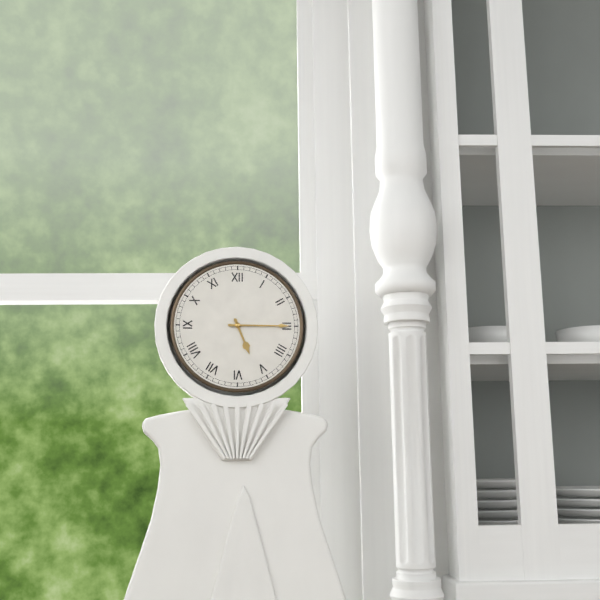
5h15
